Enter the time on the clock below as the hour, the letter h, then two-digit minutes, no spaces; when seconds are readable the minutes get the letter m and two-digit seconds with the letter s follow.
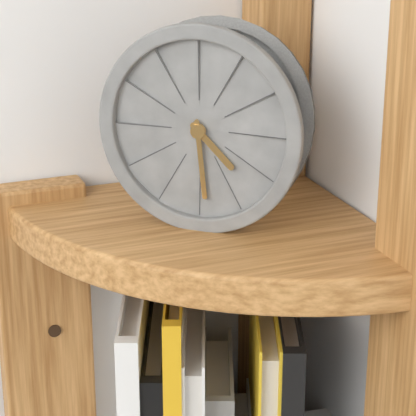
4h29
